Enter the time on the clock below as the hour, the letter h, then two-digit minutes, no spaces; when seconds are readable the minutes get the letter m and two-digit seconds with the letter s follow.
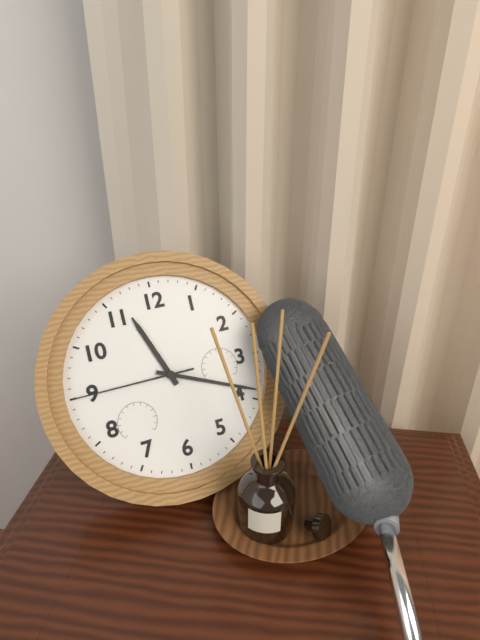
11h19m45s
